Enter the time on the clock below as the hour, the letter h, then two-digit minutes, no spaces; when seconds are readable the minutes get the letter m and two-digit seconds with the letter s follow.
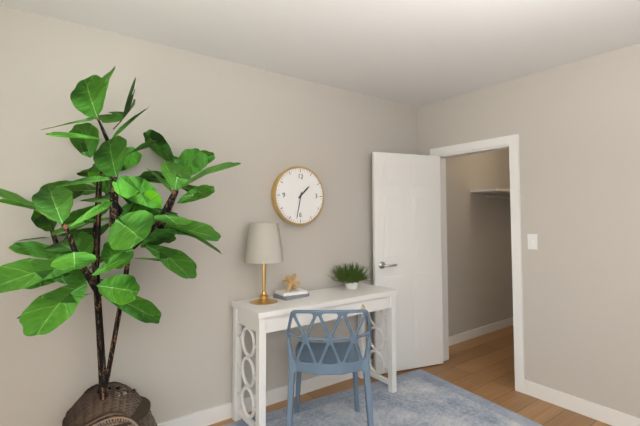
1h32
